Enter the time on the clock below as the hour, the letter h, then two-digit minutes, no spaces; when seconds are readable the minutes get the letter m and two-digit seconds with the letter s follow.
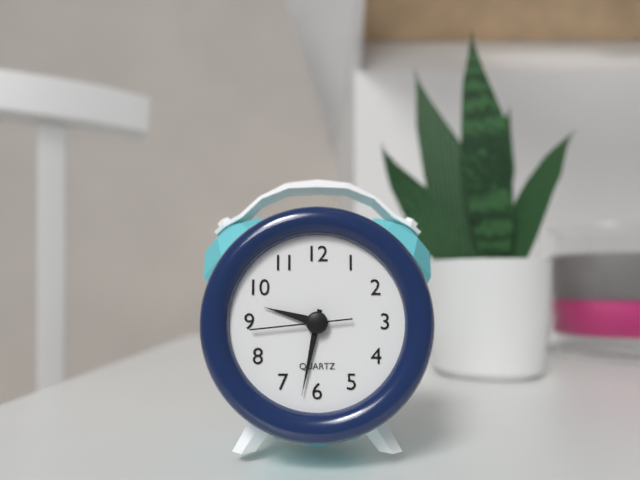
9h32m44s
